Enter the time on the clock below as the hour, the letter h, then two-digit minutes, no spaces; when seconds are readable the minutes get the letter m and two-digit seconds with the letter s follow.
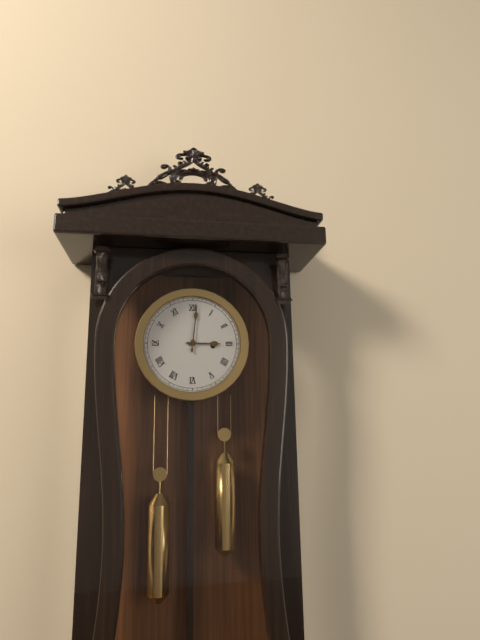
3h01
